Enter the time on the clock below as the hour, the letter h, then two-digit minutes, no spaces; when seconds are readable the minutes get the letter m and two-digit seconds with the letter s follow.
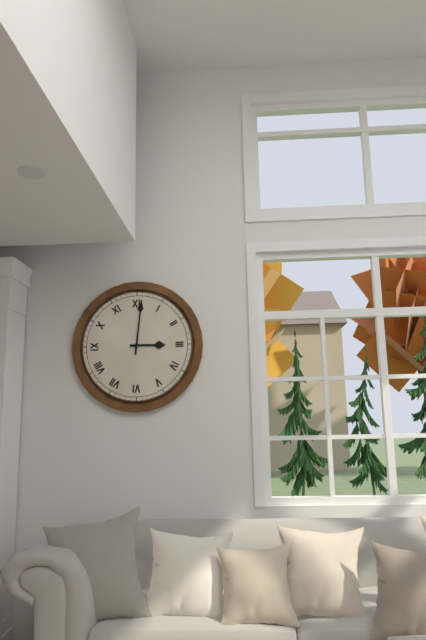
3h01
